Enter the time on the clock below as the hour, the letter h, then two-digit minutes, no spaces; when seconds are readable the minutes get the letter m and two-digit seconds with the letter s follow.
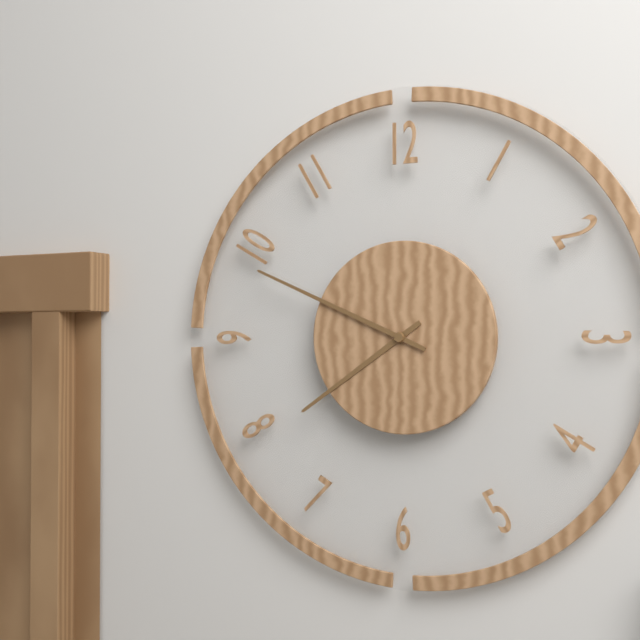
7h49
